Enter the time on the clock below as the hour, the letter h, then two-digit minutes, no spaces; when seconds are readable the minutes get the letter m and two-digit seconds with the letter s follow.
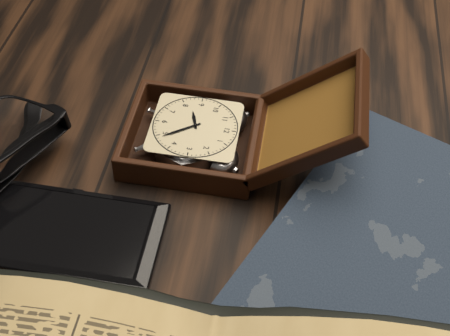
8h24
